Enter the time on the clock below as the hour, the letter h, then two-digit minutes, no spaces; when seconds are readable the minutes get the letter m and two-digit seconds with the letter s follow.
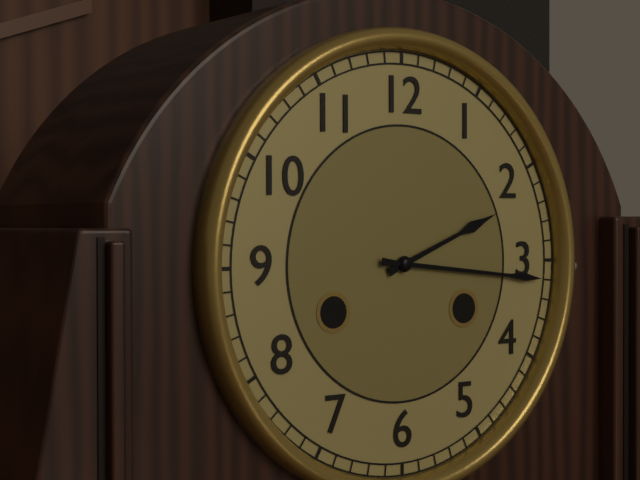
2h16
